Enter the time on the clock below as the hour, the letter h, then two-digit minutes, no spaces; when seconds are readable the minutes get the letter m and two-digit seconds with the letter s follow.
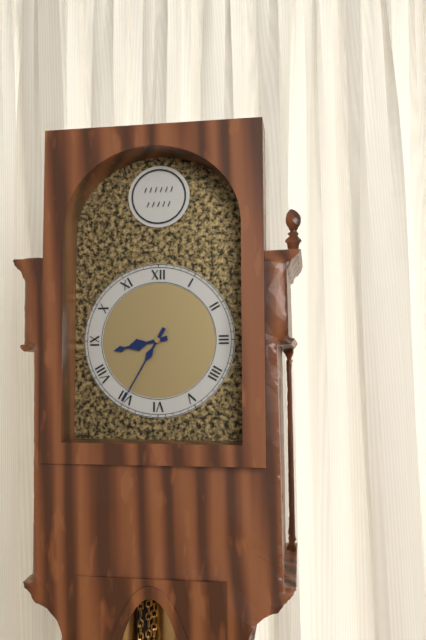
8h35
